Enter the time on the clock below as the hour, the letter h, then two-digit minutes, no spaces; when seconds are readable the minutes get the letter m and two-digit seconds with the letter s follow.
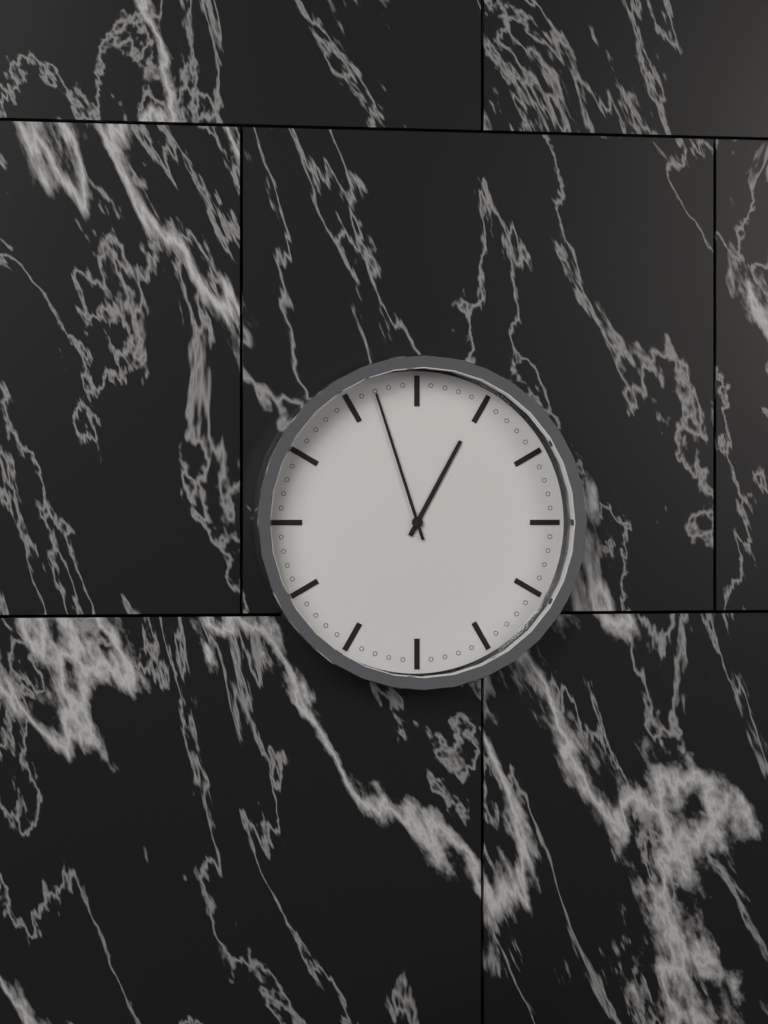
12h57
